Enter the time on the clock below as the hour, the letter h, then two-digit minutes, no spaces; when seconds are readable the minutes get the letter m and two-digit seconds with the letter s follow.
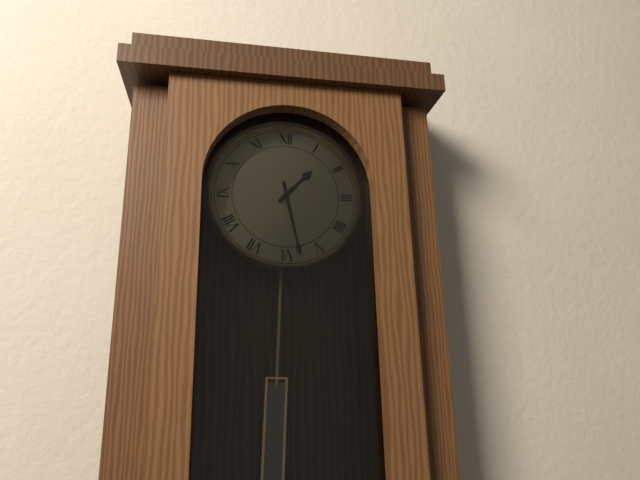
1h28
